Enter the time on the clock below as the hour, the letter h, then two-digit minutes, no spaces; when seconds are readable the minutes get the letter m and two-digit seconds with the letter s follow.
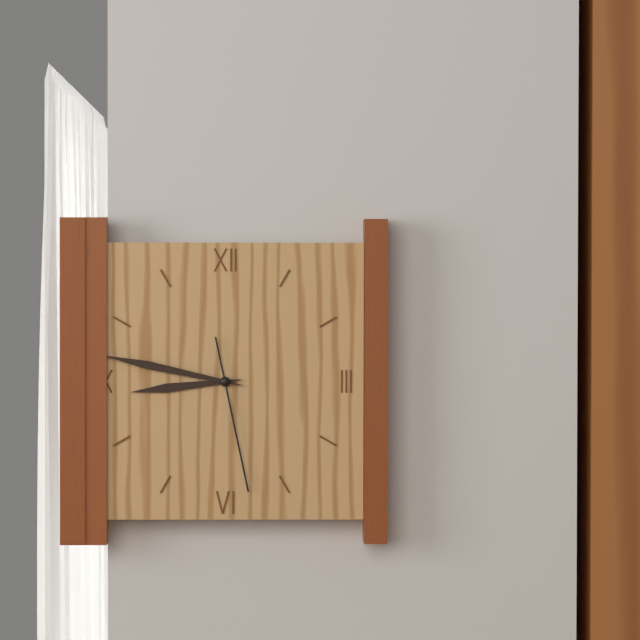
8h47m28s
